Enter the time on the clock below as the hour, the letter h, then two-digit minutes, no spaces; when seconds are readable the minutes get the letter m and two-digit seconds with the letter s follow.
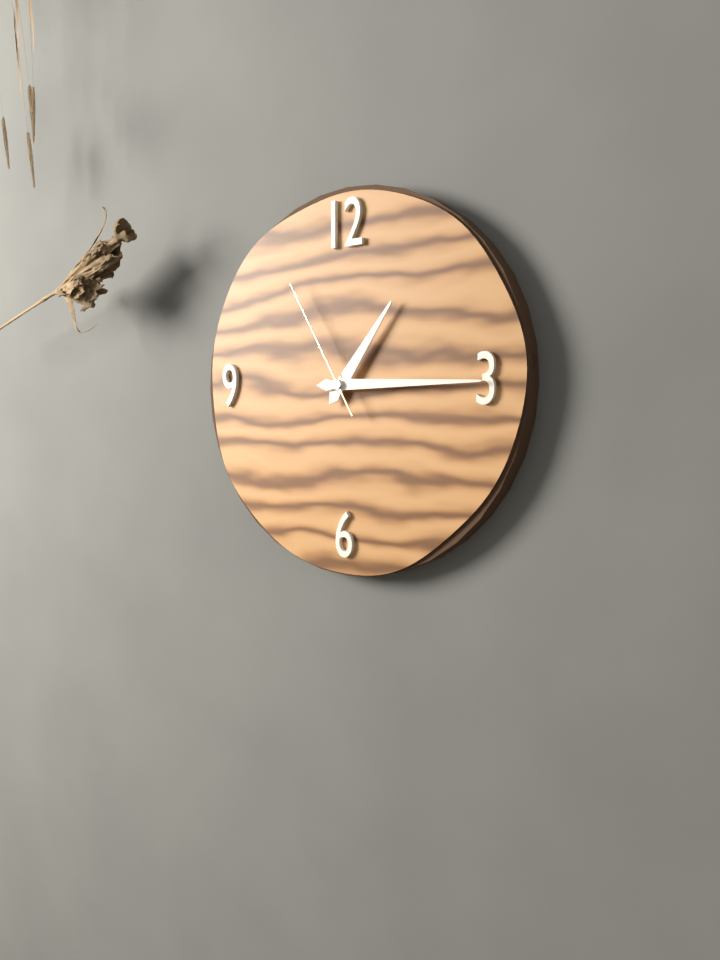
1h15m55s
